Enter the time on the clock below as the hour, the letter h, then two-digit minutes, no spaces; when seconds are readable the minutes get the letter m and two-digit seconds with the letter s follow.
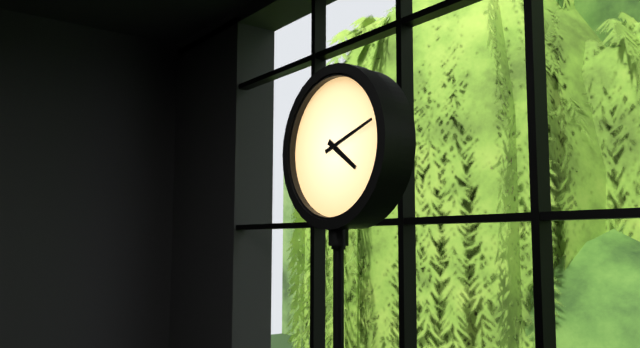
4h12
